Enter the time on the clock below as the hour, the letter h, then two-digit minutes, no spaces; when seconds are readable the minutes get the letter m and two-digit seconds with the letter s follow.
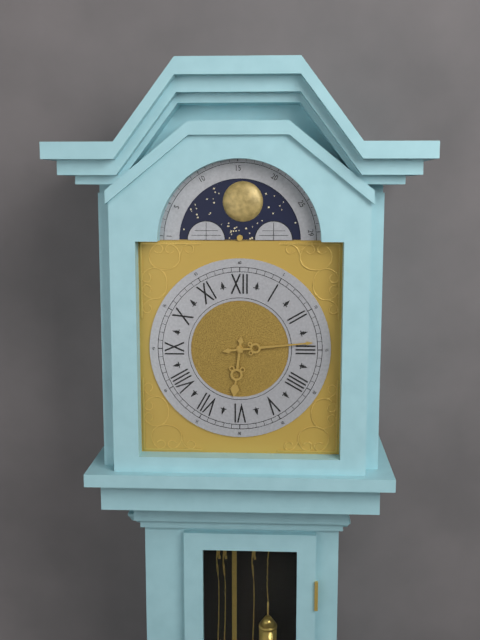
6h14
